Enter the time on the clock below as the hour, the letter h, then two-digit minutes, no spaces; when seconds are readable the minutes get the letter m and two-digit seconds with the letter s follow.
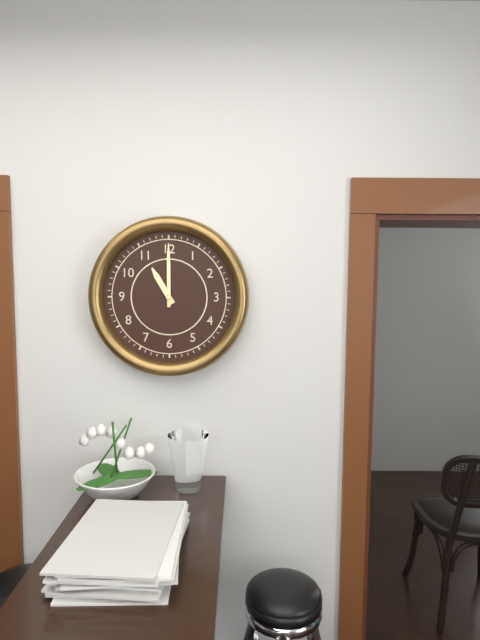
11h00
